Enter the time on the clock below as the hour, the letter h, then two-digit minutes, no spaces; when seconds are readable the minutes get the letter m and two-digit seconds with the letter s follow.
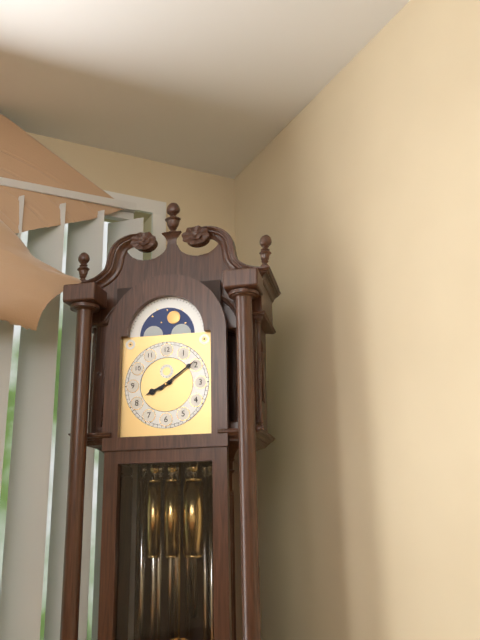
8h09
